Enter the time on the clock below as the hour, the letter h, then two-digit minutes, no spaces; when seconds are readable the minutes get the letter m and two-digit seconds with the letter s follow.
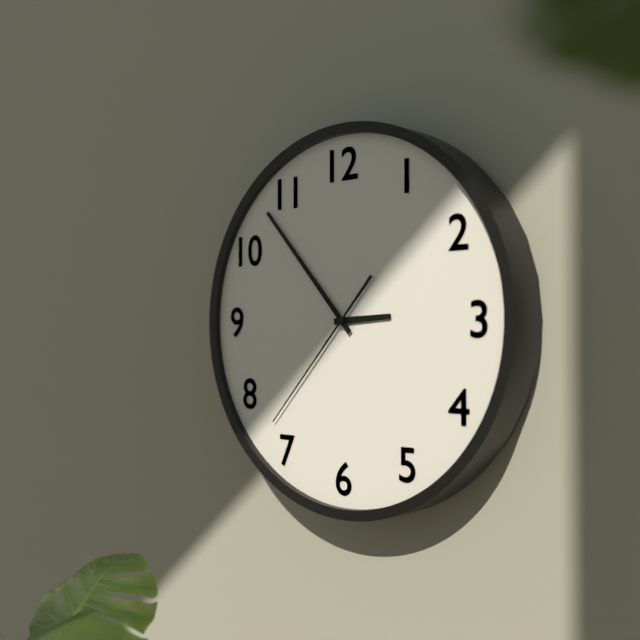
2h53m37s
